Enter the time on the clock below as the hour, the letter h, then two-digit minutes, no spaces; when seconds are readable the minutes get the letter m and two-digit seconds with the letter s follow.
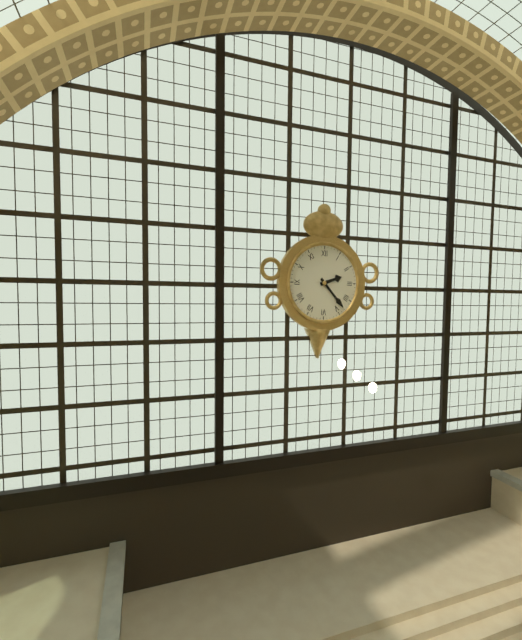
2h23
